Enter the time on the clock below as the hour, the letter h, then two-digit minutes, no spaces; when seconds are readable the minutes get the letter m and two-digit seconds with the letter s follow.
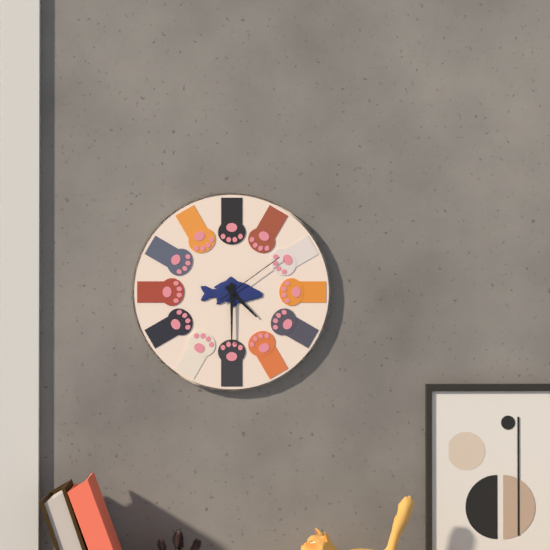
4h30m09s
